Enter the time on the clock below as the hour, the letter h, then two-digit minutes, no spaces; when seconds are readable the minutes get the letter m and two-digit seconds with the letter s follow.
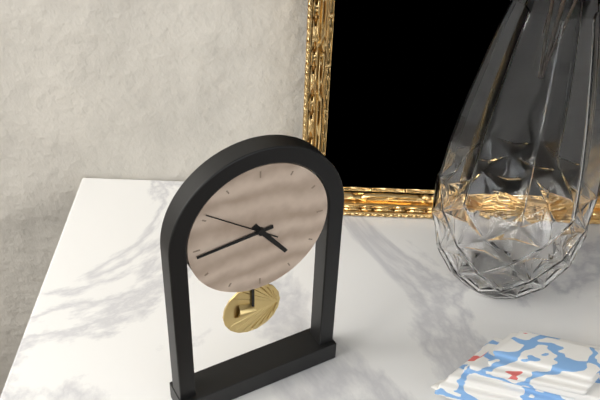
4h44m51s
